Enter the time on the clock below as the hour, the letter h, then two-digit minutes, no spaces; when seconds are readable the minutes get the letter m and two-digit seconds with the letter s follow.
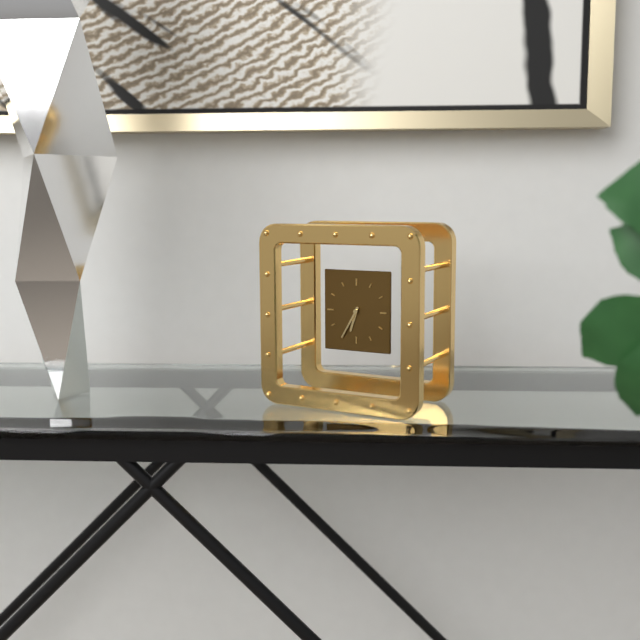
6h35
